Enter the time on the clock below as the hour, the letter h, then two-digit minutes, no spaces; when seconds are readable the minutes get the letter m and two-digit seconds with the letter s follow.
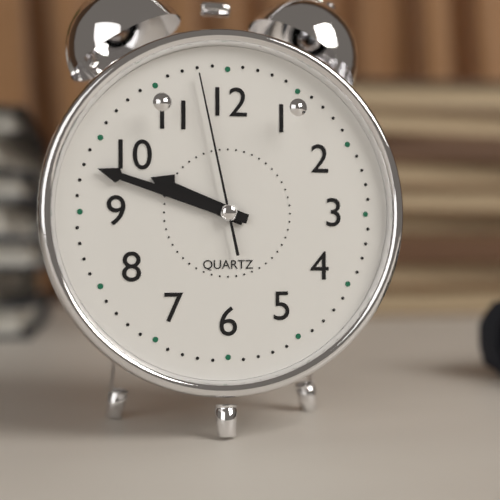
9h48m58s
